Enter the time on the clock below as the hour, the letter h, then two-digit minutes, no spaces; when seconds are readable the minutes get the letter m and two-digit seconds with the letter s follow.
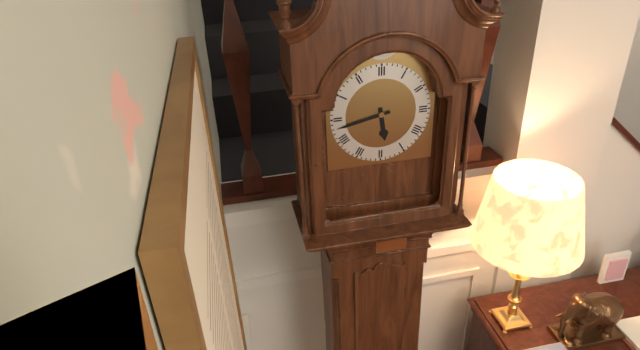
5h43
